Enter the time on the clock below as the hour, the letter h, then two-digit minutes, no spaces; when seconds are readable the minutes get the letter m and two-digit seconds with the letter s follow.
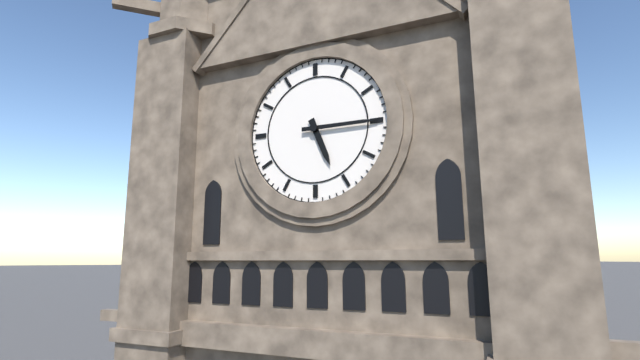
5h15
